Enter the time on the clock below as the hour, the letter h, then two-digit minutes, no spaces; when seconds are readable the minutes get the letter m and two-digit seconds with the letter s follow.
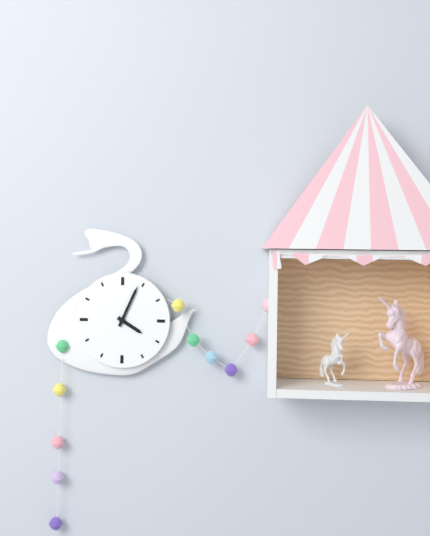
4h04
